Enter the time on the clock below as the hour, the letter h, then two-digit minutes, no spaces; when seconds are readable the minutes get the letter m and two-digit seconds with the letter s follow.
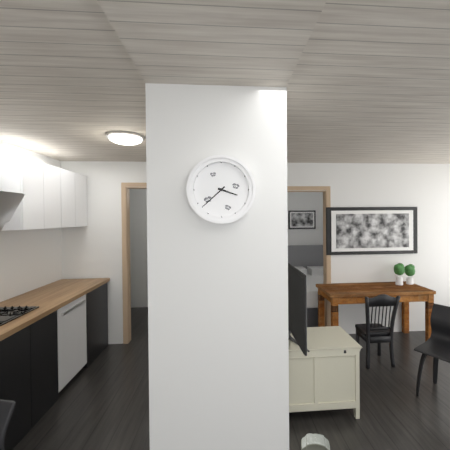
3h38
